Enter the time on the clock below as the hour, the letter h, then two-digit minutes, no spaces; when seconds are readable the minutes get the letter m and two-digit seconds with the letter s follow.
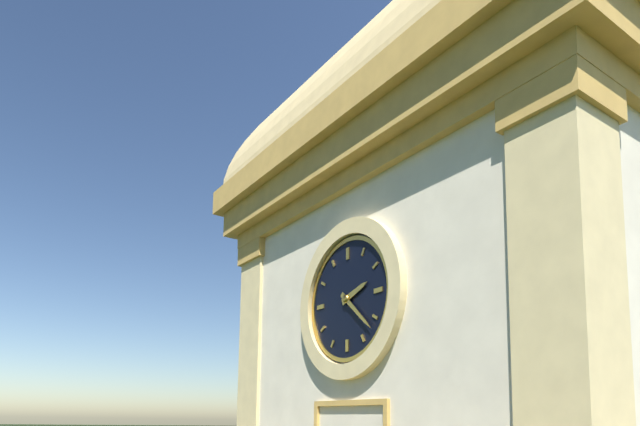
2h22
